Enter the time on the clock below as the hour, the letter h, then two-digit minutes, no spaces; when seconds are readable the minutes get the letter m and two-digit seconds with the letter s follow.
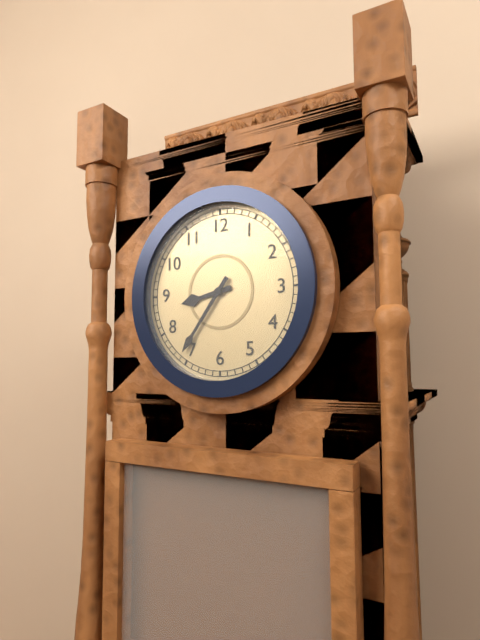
8h36
